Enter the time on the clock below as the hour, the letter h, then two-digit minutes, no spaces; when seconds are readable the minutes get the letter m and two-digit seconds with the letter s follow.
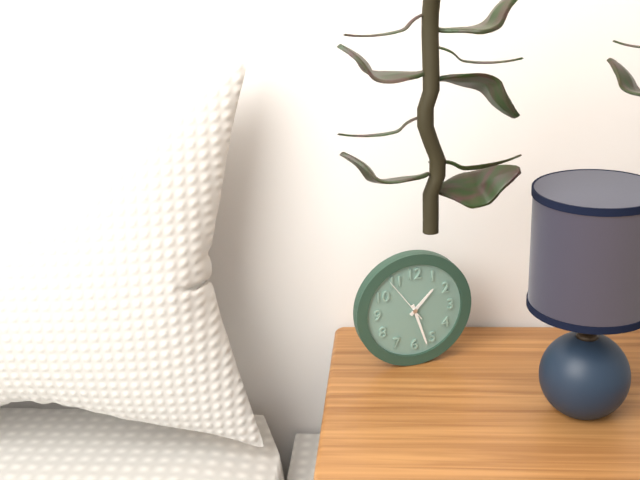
1h27
